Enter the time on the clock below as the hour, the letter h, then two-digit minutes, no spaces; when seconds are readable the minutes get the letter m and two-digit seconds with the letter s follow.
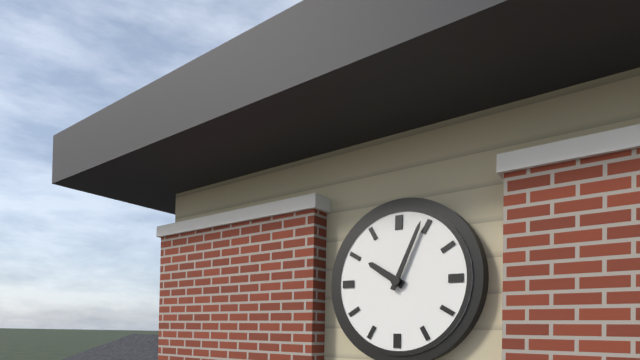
10h04
